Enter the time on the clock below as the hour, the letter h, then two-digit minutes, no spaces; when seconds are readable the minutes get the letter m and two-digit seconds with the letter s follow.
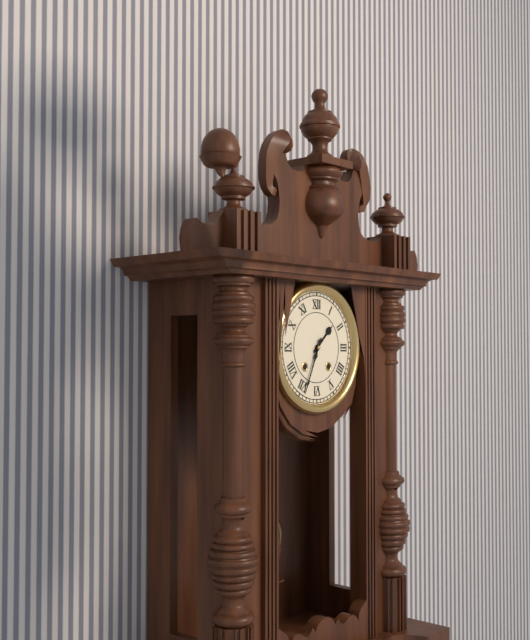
1h34
